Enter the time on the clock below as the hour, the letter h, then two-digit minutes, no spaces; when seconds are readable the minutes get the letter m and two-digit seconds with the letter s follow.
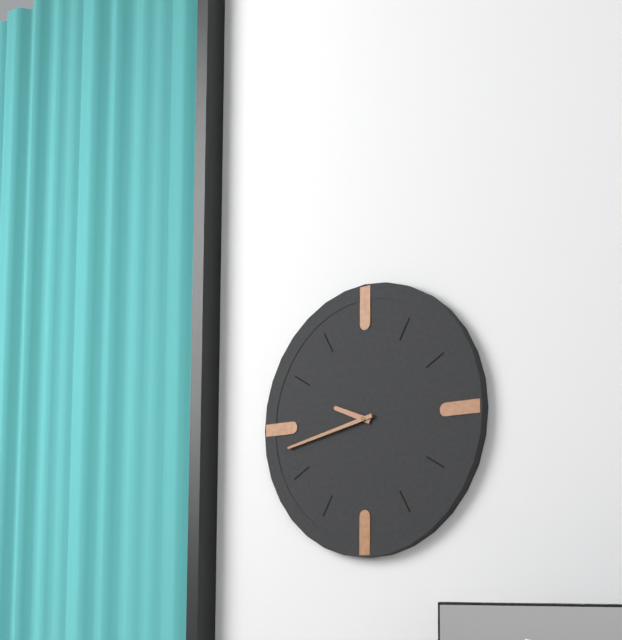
9h43
